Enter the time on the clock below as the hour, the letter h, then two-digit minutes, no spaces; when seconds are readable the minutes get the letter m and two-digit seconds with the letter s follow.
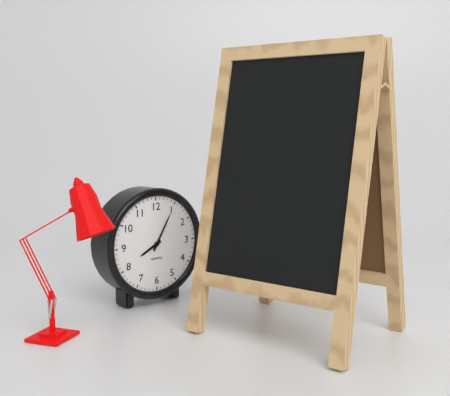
8h05
